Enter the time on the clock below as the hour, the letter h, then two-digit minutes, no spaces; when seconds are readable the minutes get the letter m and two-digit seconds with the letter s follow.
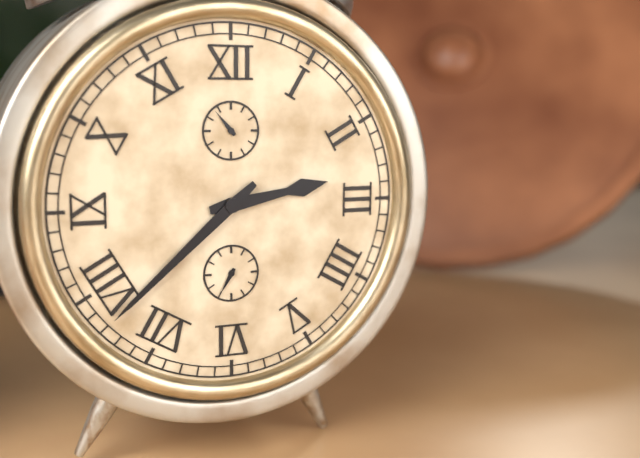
2h38
